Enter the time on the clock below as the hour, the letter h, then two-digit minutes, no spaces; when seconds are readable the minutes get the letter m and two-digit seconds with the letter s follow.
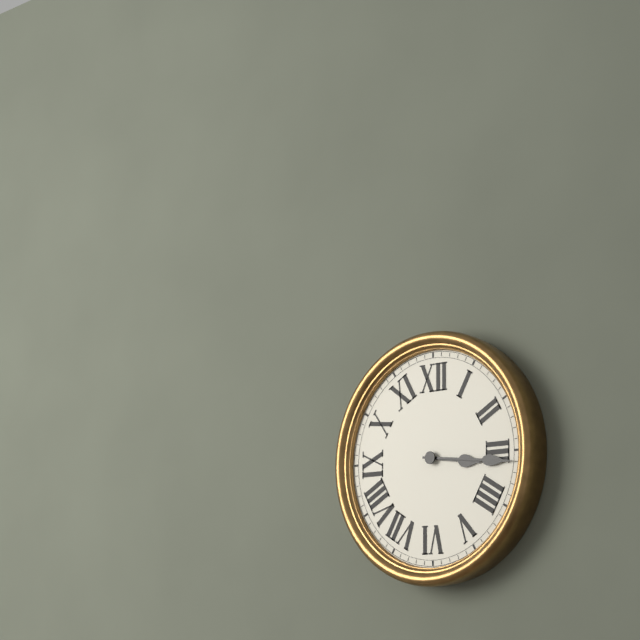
3h16
